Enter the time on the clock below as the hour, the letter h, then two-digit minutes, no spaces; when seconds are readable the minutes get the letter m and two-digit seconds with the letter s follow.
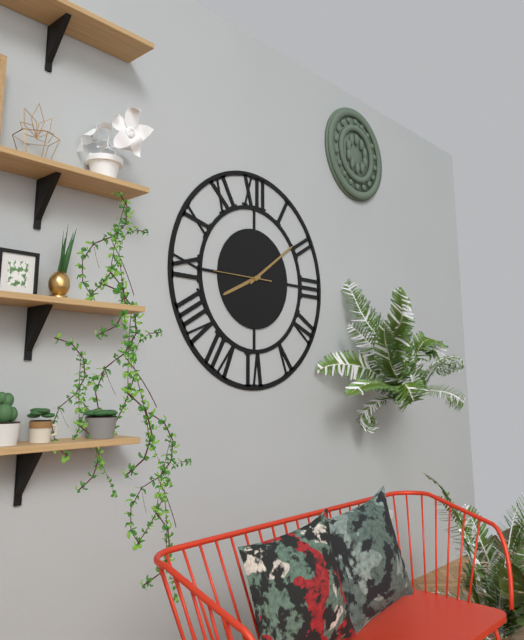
8h09m45s
